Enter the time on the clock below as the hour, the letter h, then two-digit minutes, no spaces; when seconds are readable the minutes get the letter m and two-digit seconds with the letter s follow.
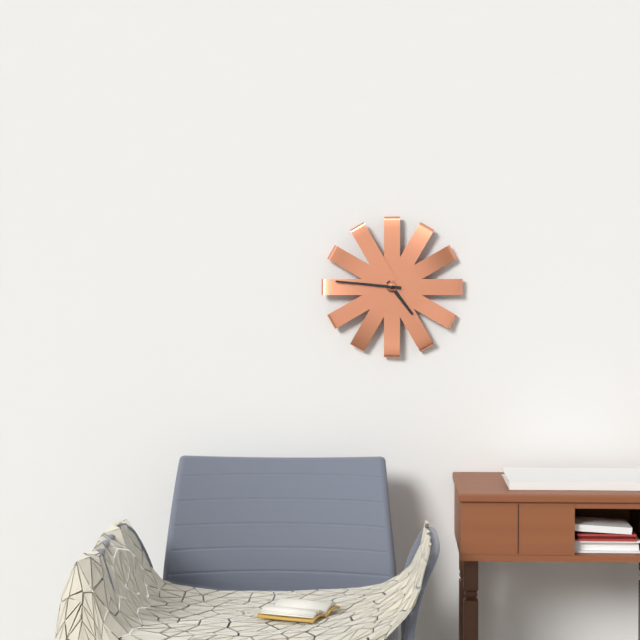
4h46
